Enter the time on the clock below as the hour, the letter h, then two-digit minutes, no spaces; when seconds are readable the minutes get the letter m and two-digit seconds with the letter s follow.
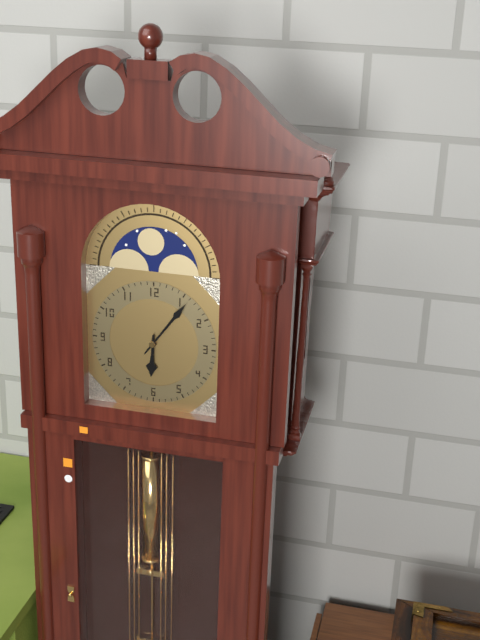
6h06
